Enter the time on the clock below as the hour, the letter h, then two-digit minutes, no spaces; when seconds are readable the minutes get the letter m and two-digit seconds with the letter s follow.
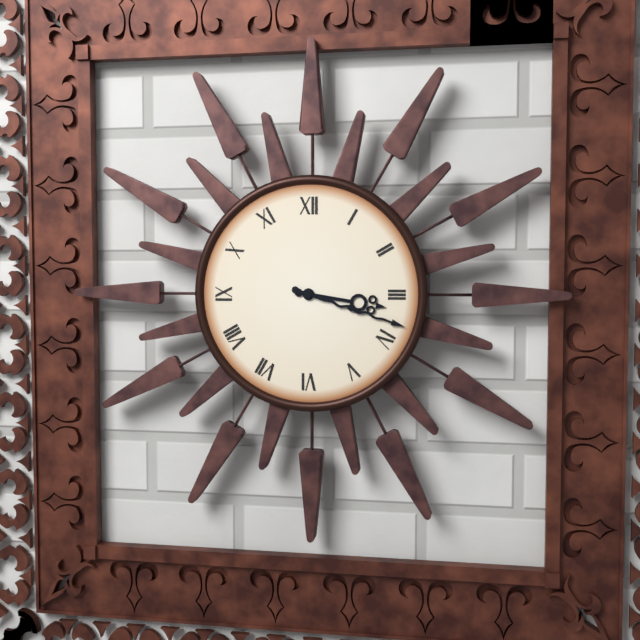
3h18
